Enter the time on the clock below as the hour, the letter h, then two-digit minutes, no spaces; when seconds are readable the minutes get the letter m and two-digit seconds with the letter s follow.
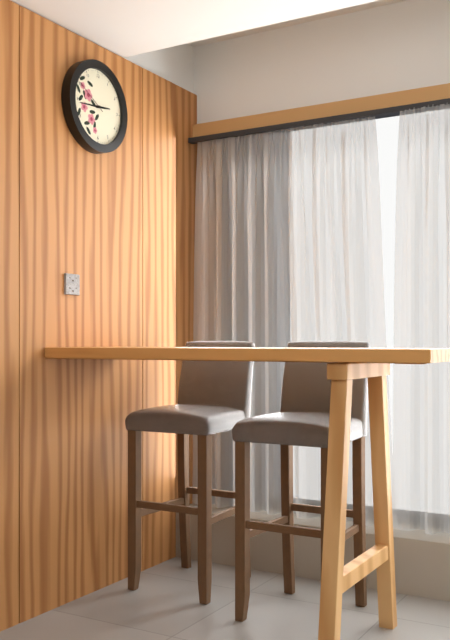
2h44
